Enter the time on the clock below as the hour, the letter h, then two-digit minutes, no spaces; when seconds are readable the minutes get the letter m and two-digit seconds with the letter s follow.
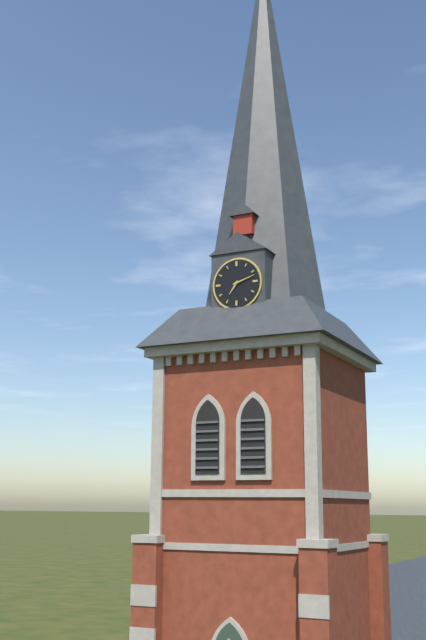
7h12
